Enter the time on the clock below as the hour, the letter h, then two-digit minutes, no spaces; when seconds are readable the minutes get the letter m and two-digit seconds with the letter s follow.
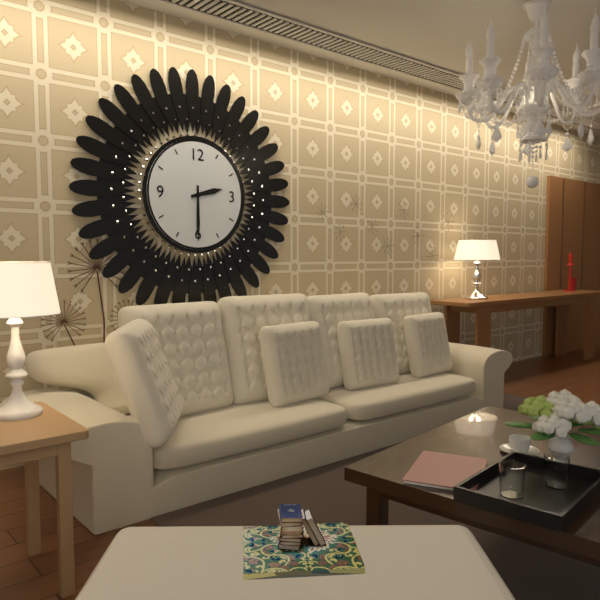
2h30
